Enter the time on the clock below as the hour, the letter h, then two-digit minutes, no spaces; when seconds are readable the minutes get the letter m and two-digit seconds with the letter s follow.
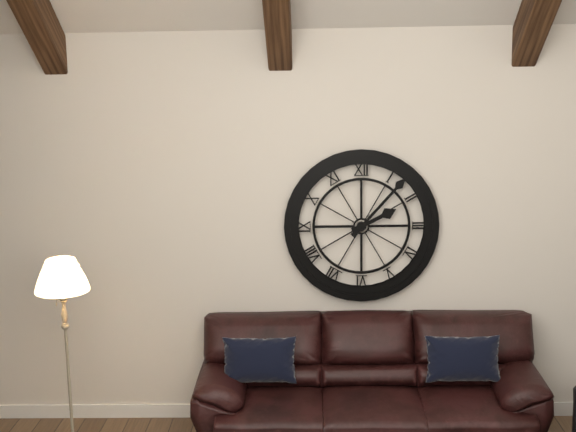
2h07
